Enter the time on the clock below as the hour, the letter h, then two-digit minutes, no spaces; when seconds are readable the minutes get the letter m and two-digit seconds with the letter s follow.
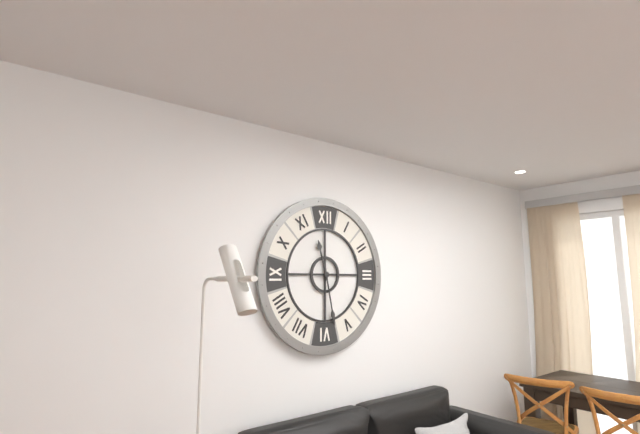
11h28
